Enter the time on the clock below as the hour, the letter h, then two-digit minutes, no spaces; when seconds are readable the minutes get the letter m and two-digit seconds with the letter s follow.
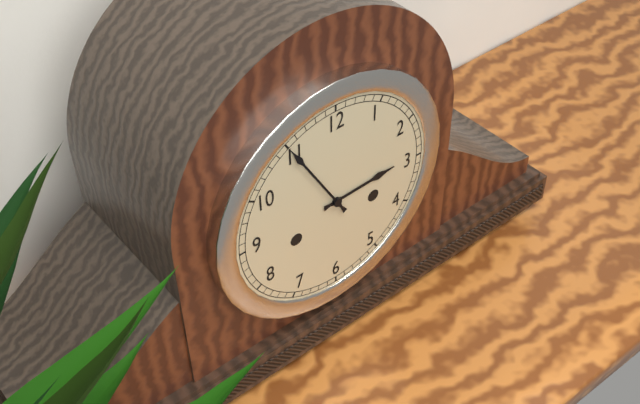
2h55
